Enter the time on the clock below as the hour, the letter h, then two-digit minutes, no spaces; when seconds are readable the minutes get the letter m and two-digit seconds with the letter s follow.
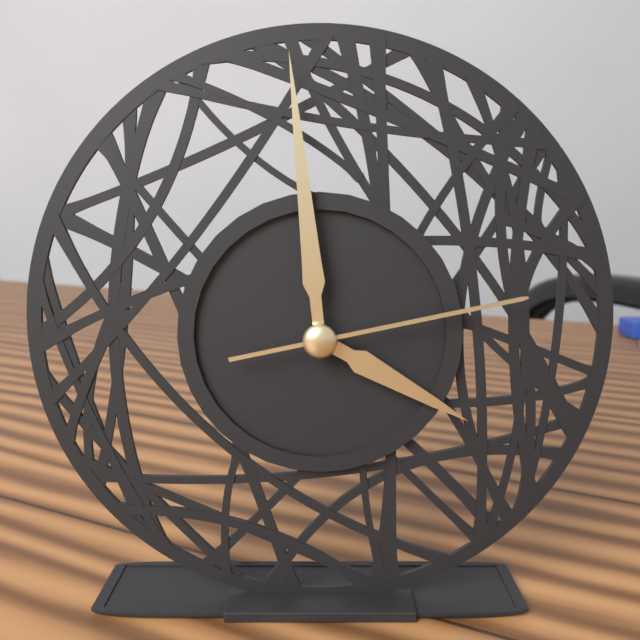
3h59m13s
